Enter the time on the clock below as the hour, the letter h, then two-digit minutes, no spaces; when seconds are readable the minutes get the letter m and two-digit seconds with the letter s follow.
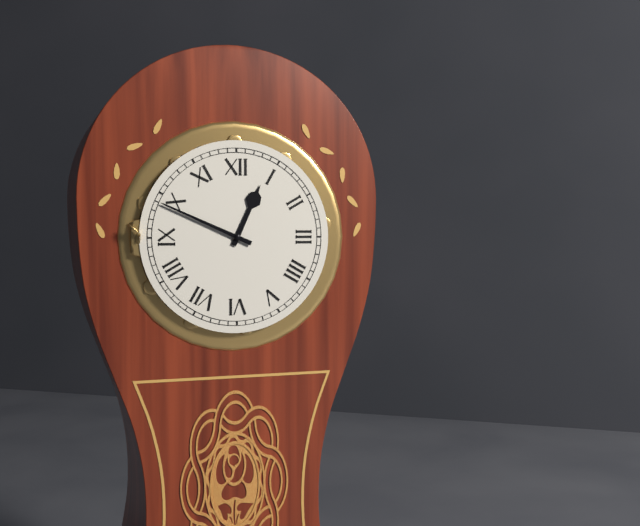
12h49
